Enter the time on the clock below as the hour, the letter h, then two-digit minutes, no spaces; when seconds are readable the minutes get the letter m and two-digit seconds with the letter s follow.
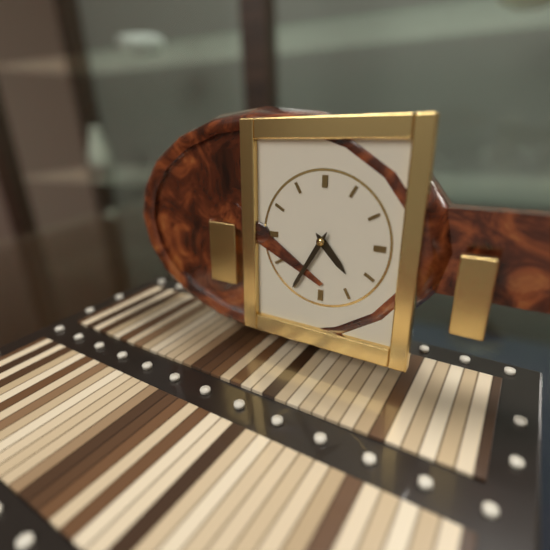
4h35
